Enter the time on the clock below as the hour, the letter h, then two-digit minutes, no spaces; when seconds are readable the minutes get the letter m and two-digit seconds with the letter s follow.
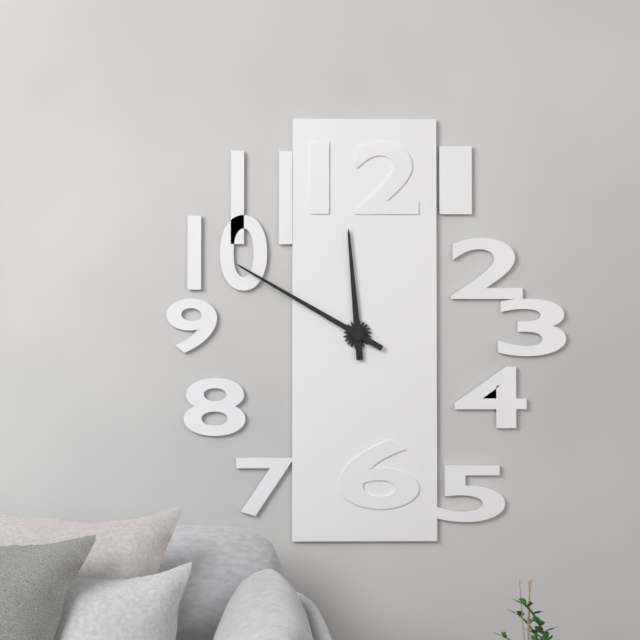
11h50
